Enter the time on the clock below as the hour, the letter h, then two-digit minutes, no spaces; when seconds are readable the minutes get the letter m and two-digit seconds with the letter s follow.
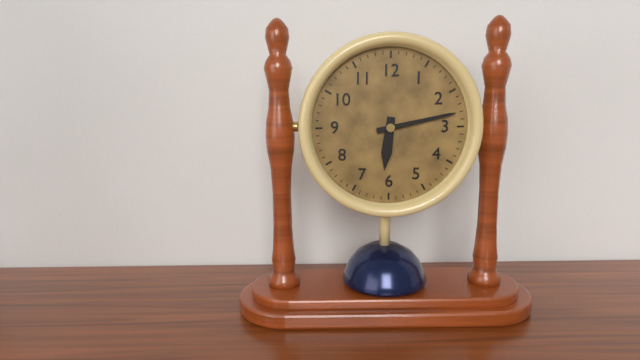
6h13
